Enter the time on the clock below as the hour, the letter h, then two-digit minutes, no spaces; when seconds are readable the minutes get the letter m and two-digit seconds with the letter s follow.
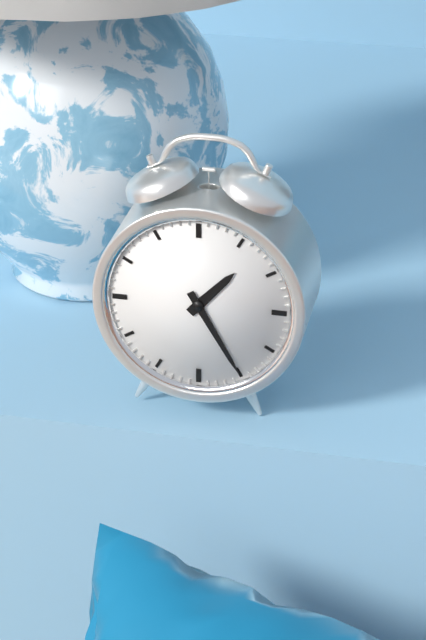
1h25
